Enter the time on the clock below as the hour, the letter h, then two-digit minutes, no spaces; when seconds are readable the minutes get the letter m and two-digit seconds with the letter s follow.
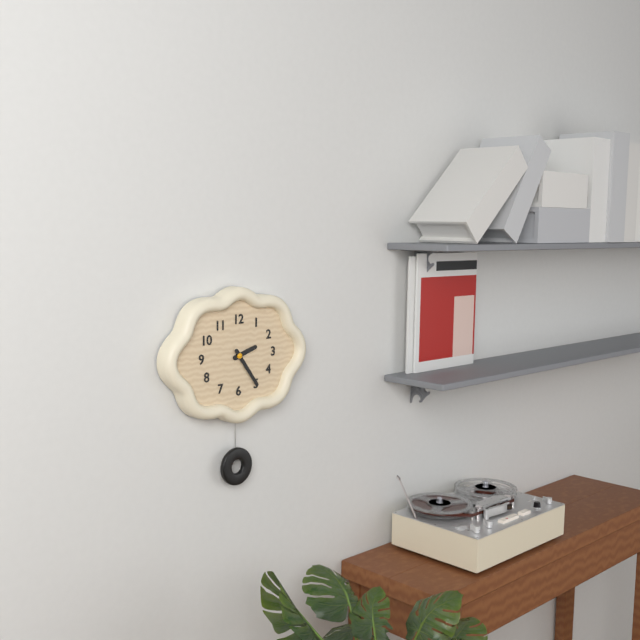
2h24
